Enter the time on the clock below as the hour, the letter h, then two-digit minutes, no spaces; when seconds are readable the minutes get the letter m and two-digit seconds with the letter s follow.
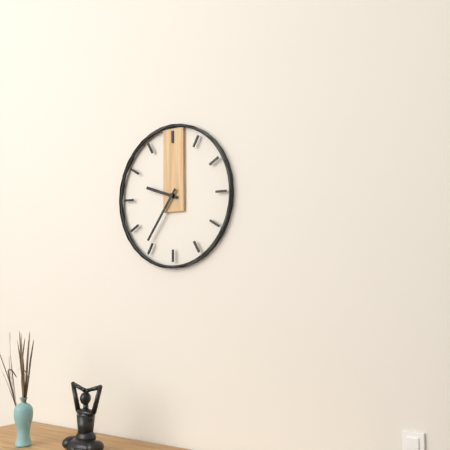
9h36
